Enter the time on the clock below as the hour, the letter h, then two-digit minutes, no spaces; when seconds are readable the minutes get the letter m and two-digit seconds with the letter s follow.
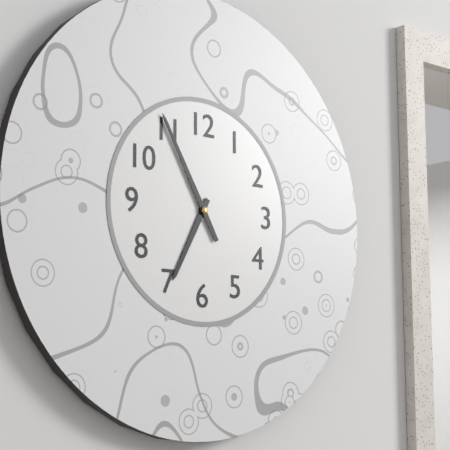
6h55
